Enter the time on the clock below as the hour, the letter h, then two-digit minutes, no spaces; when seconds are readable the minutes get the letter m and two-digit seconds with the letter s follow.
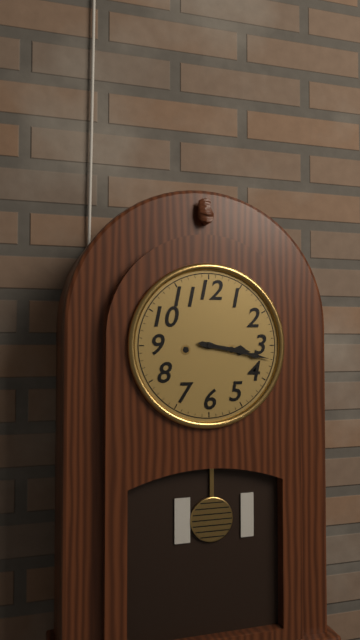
3h17
